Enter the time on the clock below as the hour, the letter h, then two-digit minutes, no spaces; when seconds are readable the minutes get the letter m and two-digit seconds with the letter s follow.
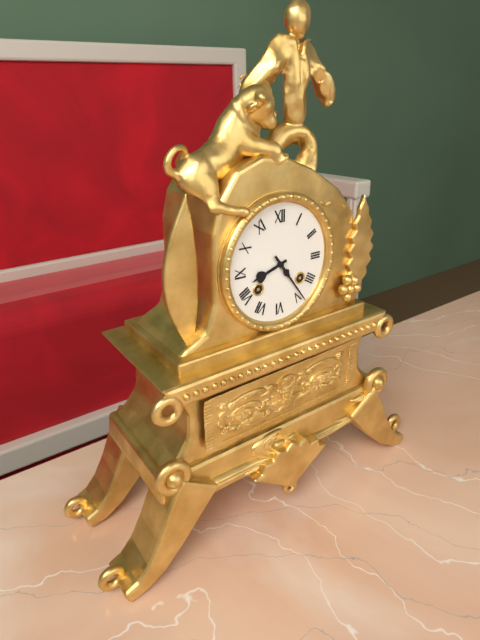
8h24
